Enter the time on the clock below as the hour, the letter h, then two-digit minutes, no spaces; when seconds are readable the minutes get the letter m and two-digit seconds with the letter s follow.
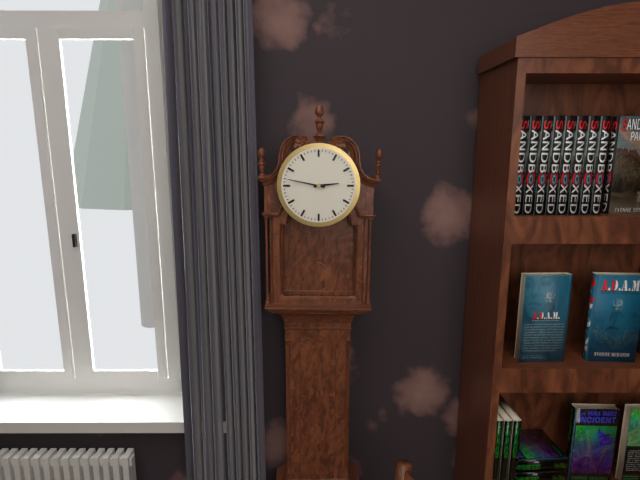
2h47
